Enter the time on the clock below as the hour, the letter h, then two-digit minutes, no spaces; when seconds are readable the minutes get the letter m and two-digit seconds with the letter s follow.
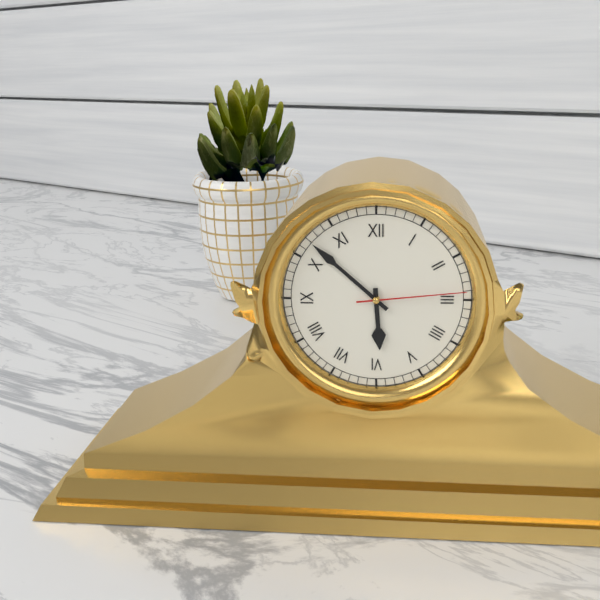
5h52m14s
